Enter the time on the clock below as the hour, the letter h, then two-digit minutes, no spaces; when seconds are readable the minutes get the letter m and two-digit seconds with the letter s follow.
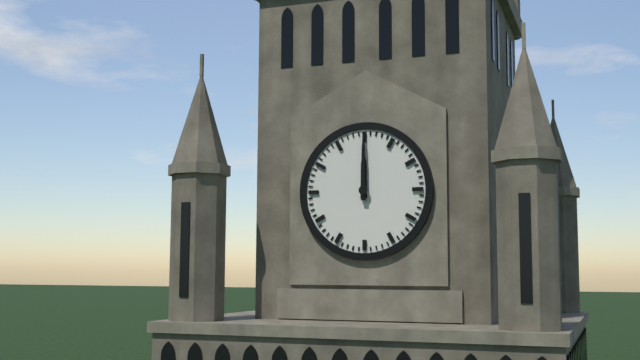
12h00
